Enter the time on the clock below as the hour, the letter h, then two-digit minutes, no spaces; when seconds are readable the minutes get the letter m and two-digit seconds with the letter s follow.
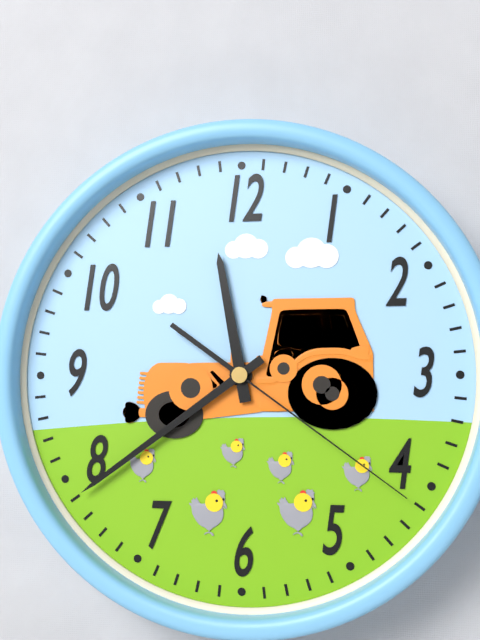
11h39m21s
